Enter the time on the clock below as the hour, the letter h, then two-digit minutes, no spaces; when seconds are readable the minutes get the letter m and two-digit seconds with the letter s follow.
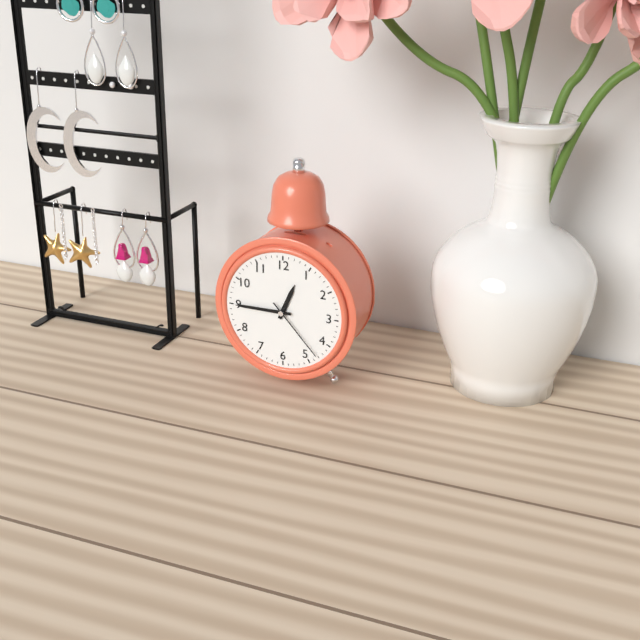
12h45m23s
